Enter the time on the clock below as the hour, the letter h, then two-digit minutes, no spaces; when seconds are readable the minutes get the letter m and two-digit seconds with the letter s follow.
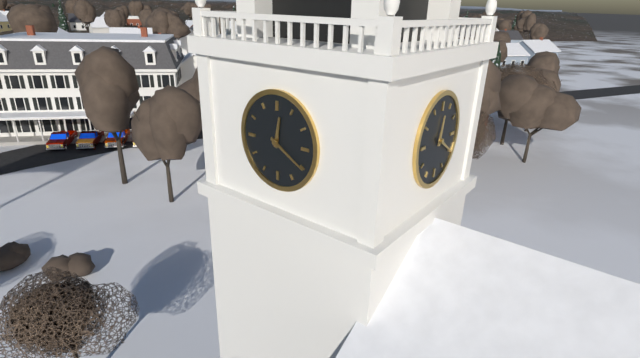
12h20
